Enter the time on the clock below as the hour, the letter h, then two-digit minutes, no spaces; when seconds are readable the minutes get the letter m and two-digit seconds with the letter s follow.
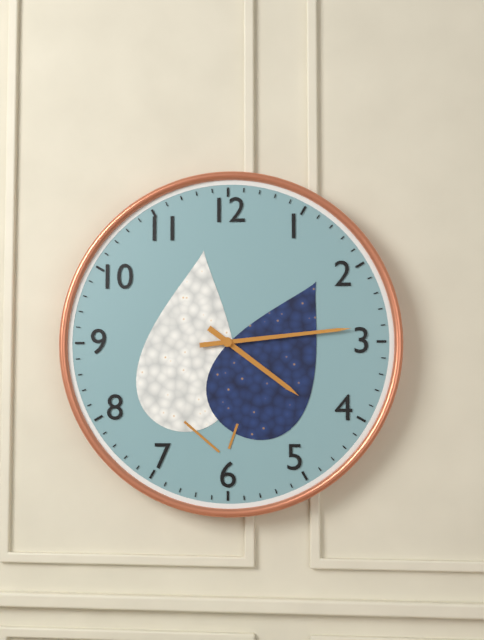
4h14
